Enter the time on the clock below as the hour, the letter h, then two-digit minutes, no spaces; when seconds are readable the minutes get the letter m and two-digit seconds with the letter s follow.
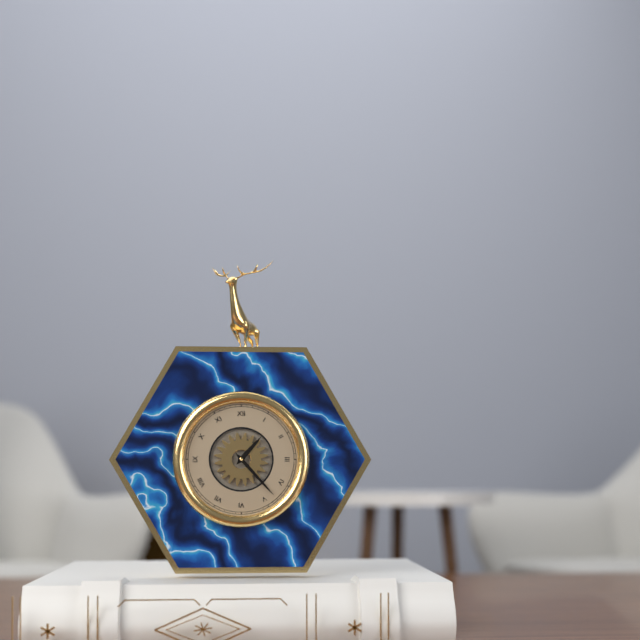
1h23
